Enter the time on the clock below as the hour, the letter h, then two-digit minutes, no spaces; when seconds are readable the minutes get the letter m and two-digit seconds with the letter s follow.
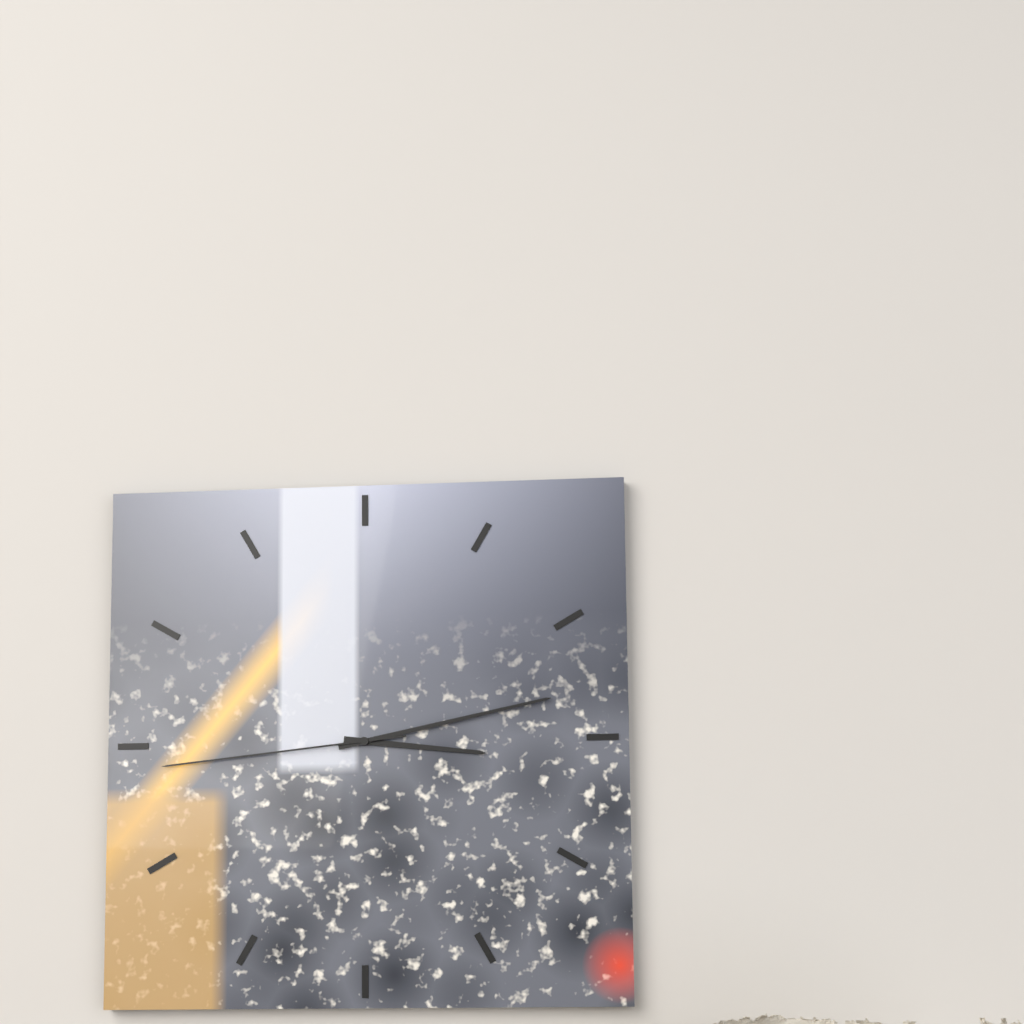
3h13m44s
